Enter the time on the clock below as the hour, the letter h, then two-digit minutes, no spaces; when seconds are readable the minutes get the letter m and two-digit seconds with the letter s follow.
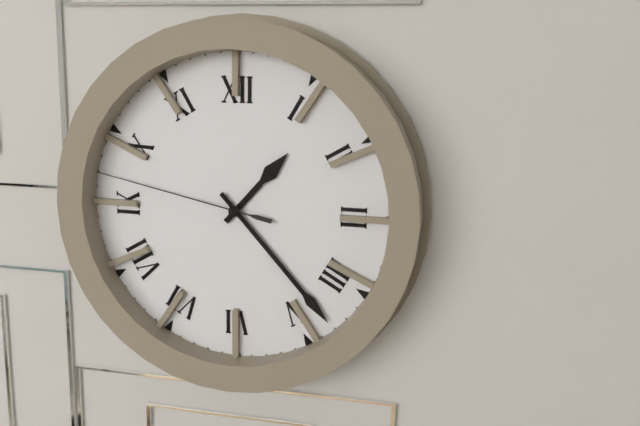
1h23m47s
